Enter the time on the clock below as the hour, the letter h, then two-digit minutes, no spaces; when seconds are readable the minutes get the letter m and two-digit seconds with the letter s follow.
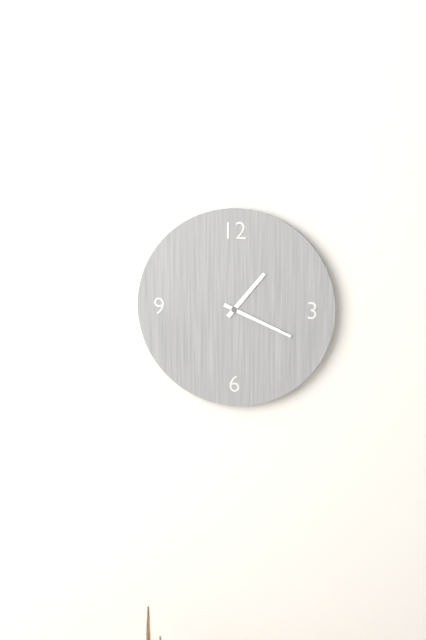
1h19
